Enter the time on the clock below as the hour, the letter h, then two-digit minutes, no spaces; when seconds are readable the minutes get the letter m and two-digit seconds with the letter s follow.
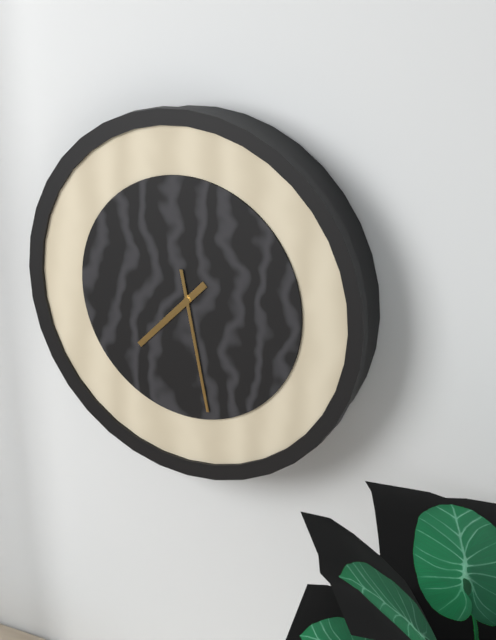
7h28
